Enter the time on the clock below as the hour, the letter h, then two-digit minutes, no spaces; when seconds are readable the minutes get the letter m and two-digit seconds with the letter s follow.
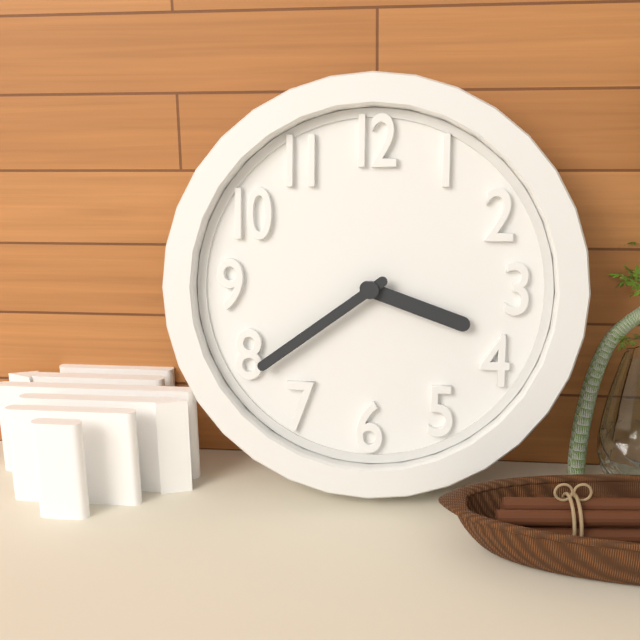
3h39
